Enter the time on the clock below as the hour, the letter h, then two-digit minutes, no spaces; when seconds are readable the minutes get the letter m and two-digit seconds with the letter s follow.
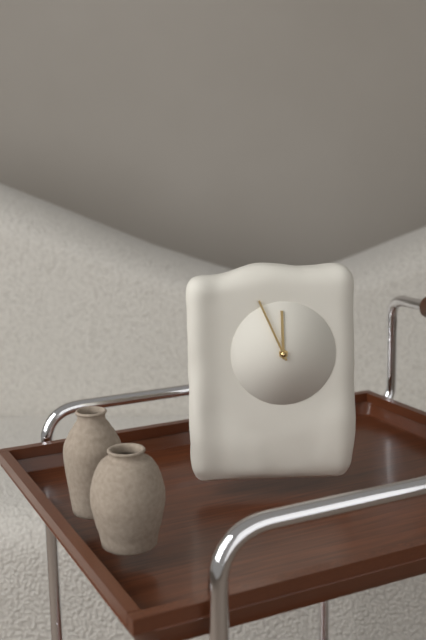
11h56
